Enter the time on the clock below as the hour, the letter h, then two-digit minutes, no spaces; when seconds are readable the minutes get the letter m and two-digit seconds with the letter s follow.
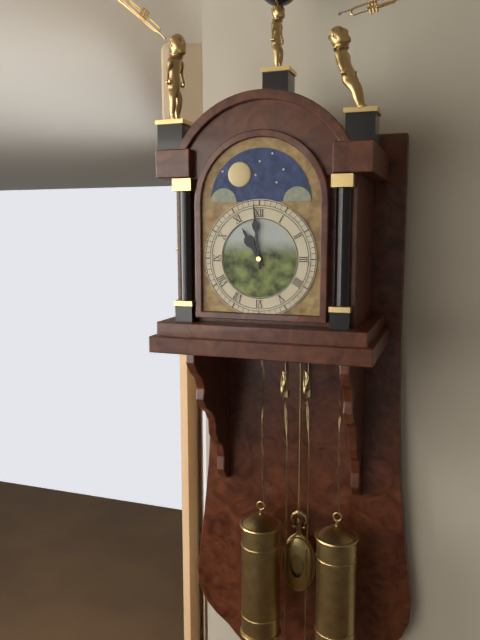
10h59
